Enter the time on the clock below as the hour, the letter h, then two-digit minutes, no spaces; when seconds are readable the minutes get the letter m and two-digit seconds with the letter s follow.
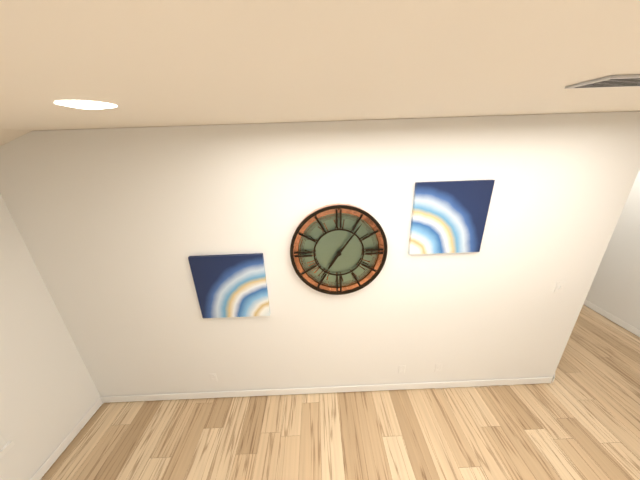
7h06
